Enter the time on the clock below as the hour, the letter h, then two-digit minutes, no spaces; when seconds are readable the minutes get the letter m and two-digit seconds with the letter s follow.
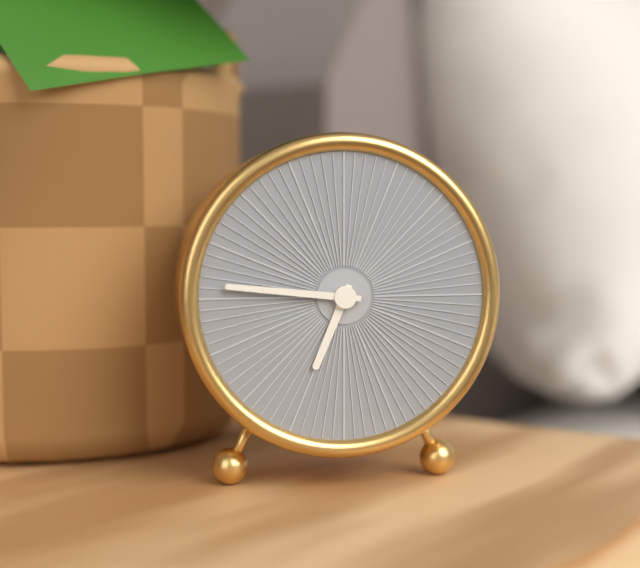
6h46
